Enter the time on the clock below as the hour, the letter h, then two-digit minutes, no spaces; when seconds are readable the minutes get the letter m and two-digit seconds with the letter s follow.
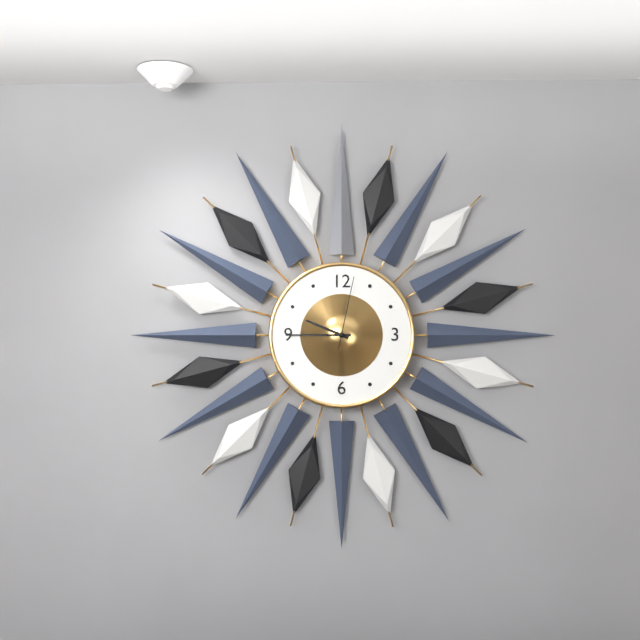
9h45m02s
